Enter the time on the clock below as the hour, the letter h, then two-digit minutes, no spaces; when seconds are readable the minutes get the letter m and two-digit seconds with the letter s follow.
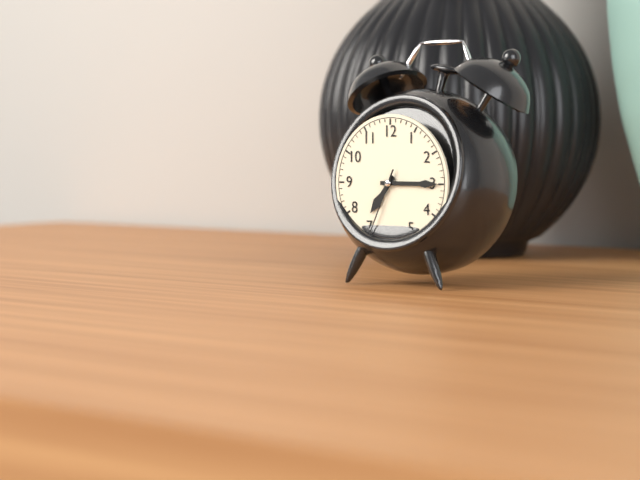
7h15m34s
